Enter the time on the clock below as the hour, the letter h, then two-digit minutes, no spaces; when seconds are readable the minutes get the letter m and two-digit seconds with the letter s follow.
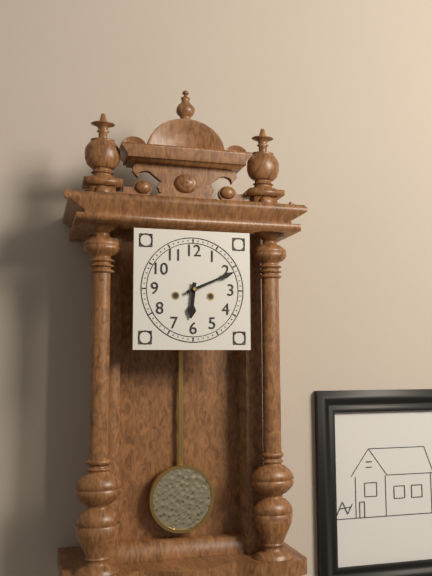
6h11
